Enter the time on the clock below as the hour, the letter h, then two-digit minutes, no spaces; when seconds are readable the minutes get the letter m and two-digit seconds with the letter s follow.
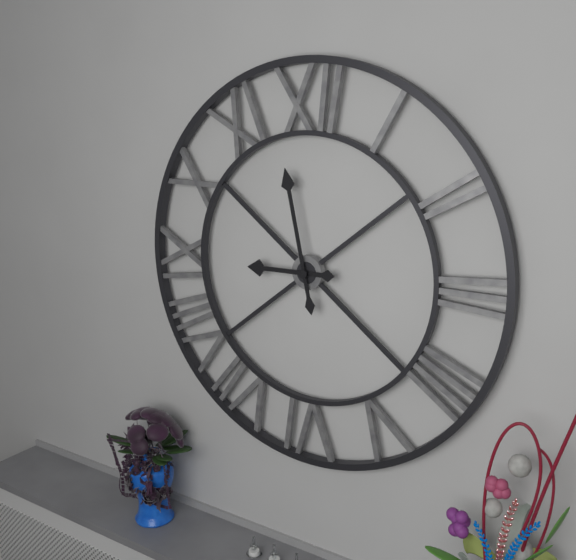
8h58
